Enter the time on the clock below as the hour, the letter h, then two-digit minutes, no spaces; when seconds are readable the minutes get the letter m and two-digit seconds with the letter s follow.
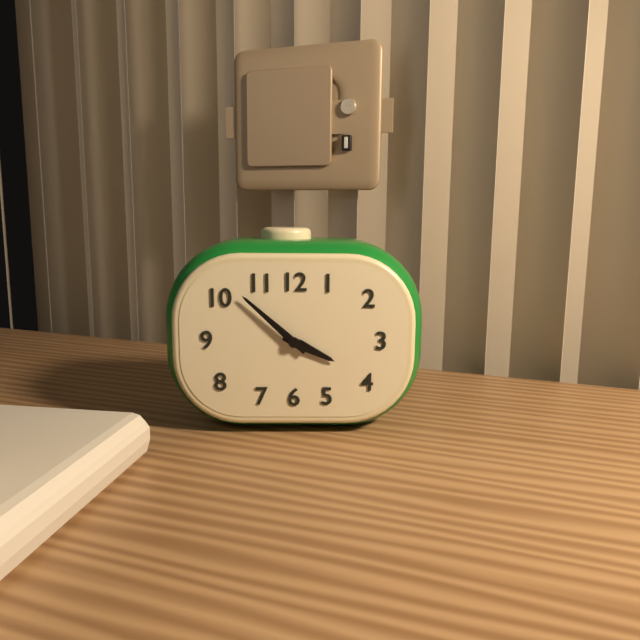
3h52
